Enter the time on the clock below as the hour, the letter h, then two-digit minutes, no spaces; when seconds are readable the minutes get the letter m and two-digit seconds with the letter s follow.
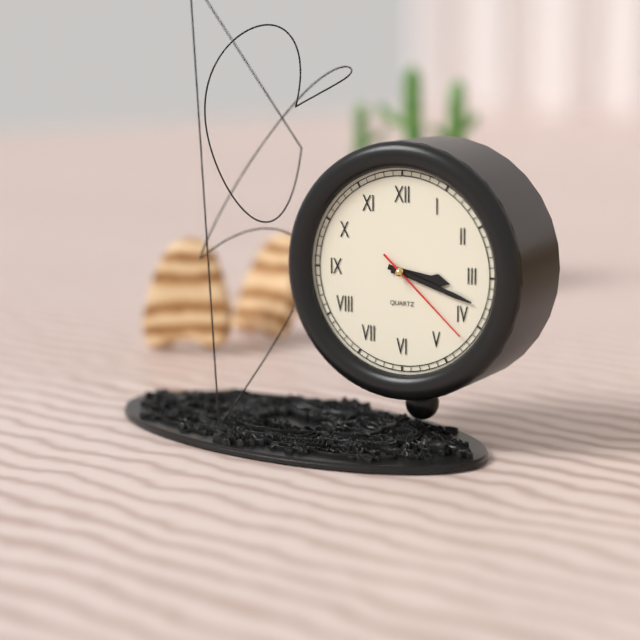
3h18m22s
